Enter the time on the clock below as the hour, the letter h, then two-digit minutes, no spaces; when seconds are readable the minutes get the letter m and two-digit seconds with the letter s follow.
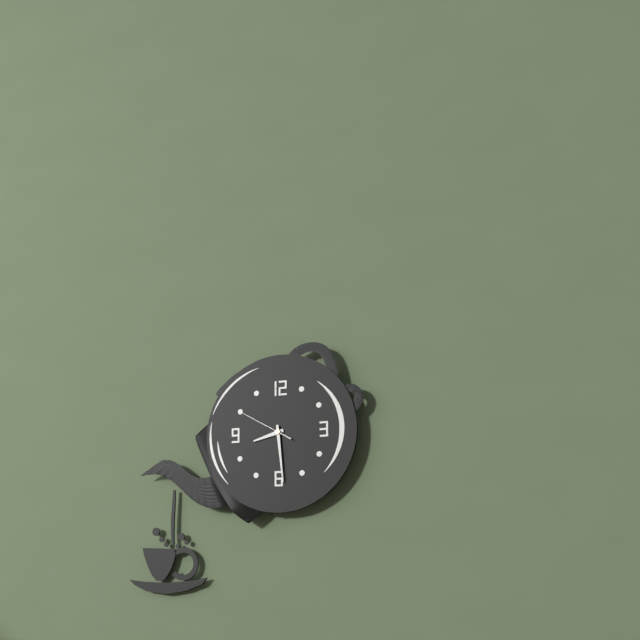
8h29
